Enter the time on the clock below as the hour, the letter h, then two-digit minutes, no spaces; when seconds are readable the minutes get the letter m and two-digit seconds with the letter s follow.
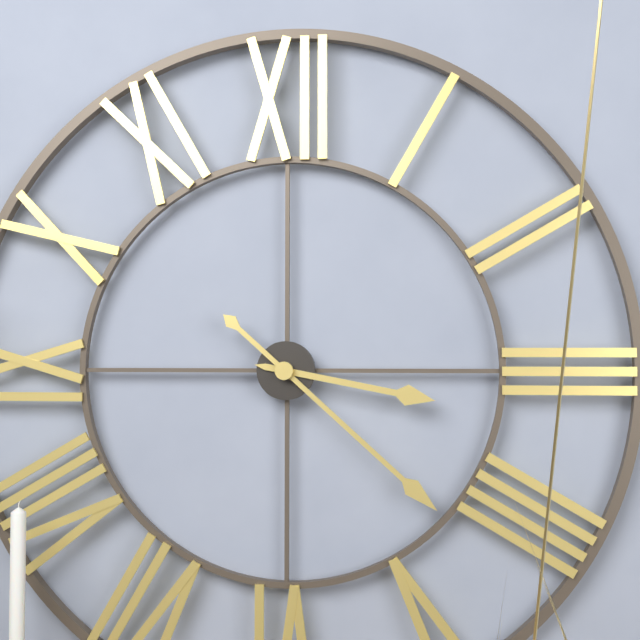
3h22
